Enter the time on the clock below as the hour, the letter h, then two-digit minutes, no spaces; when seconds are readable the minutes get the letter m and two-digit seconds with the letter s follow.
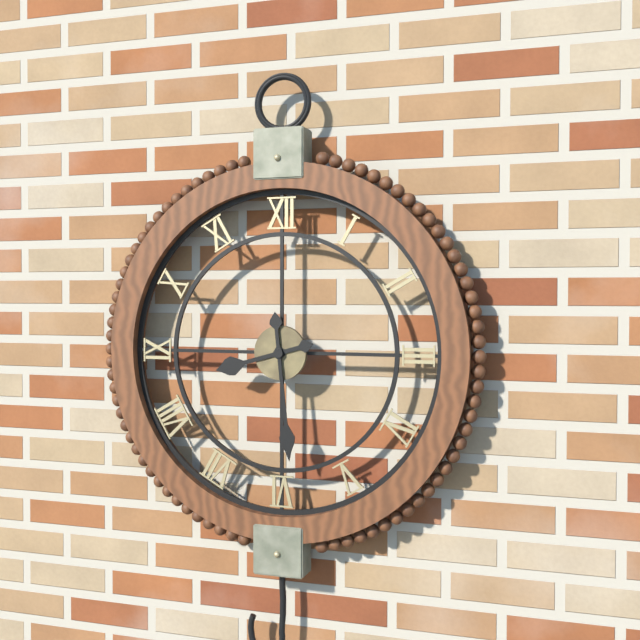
8h29
